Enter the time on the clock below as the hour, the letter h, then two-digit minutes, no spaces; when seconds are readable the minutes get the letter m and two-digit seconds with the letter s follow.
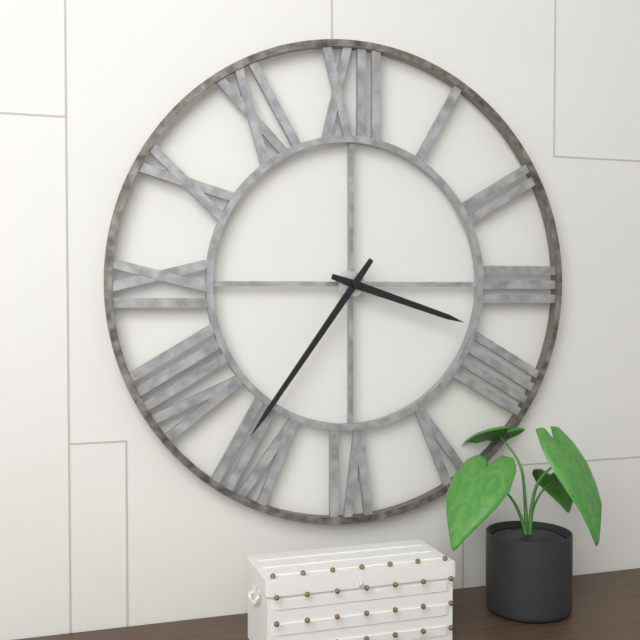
3h36
